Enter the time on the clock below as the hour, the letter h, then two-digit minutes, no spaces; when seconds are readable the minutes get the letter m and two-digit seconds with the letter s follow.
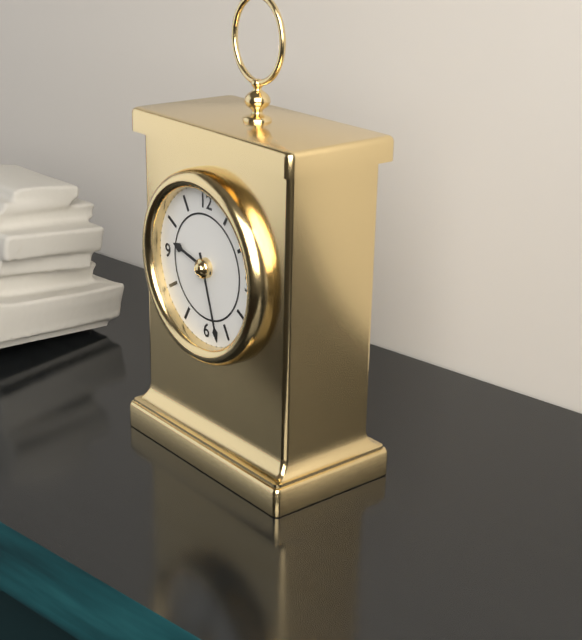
9h27
